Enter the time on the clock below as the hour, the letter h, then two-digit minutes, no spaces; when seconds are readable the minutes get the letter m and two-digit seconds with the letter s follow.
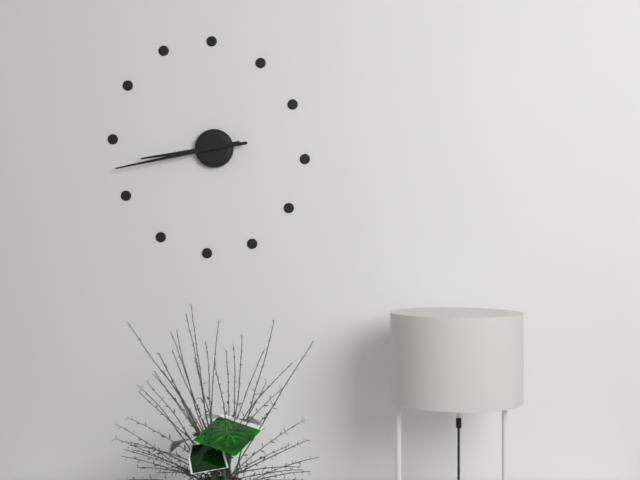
8h43
